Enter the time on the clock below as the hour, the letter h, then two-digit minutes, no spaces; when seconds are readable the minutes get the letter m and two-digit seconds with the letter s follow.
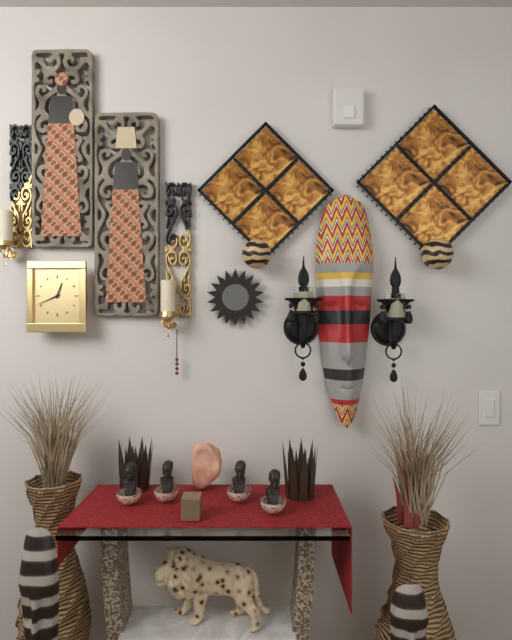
12h41
